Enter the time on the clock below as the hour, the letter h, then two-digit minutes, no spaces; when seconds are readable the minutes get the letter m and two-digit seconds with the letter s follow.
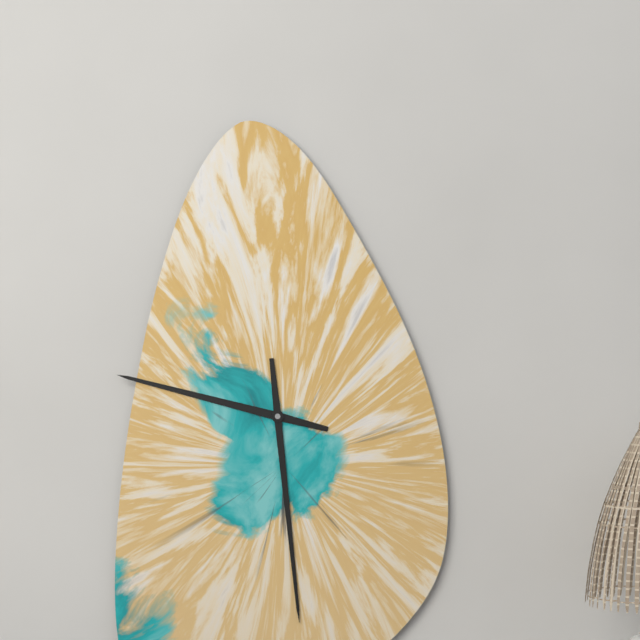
9h29
